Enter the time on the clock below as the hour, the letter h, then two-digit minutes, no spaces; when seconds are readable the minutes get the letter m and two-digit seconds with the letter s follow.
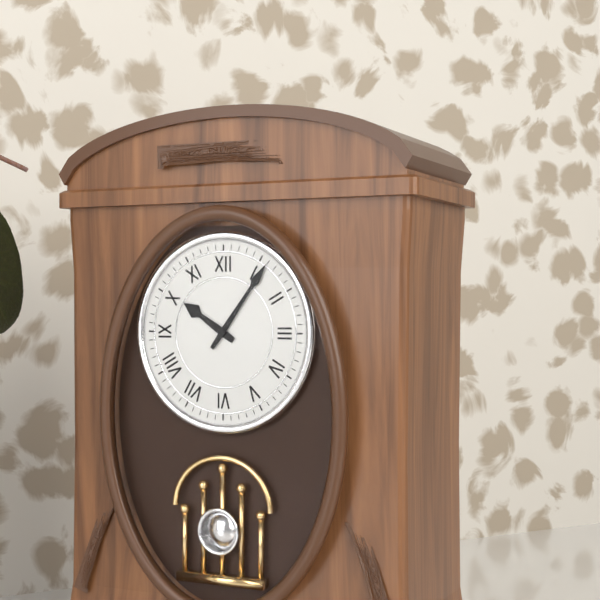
10h06
